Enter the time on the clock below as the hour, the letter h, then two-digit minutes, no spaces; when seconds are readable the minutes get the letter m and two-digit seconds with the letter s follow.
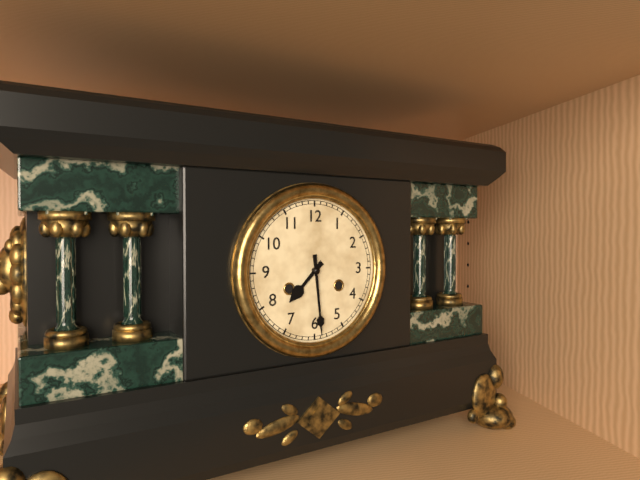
7h29
